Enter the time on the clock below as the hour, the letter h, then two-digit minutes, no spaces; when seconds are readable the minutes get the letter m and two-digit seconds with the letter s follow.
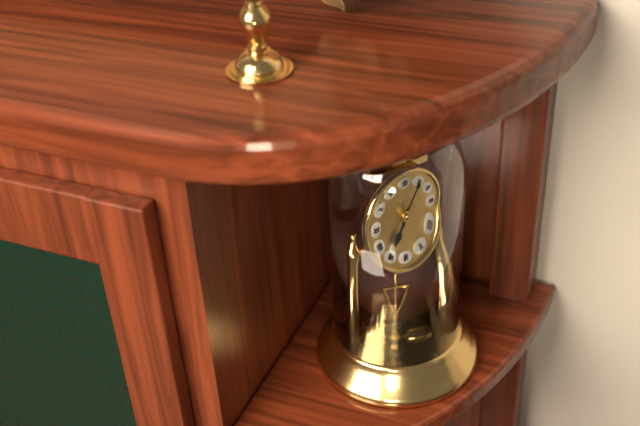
7h05
